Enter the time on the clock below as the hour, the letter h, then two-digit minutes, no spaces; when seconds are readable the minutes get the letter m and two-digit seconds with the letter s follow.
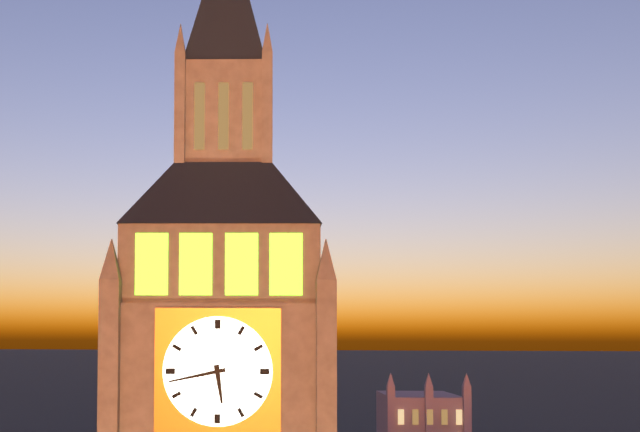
5h43
